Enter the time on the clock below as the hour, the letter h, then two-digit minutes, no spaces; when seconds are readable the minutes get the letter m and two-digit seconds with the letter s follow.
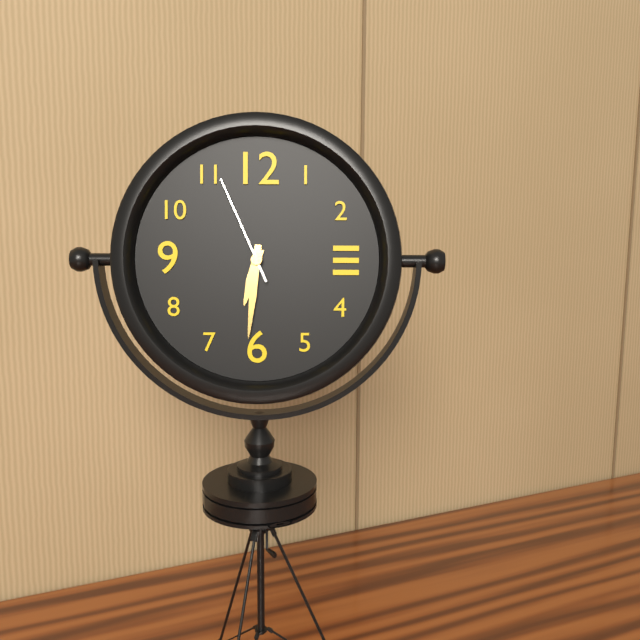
6h31m56s
